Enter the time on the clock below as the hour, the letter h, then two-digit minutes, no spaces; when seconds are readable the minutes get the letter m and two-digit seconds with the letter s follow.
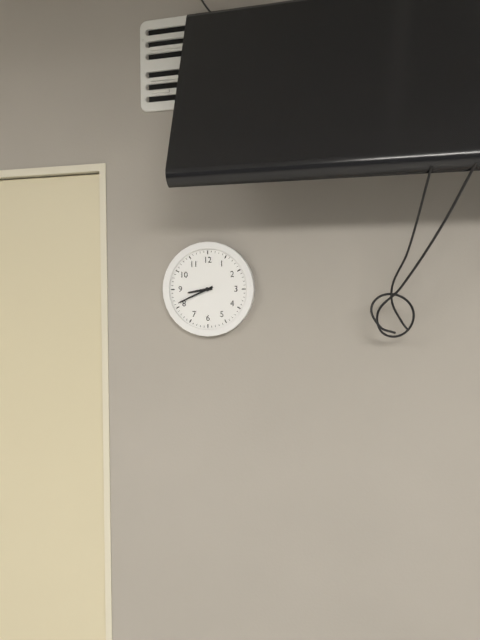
8h41
